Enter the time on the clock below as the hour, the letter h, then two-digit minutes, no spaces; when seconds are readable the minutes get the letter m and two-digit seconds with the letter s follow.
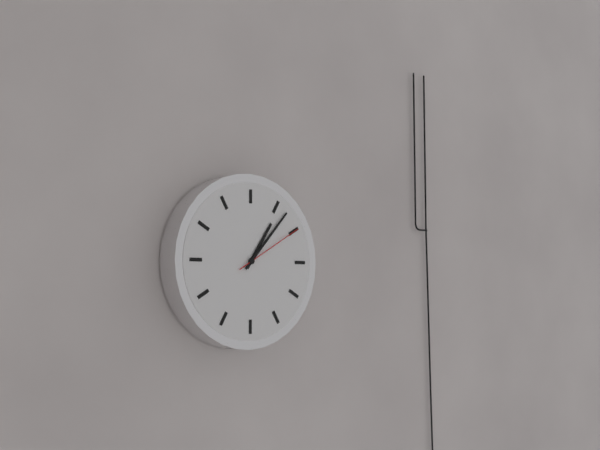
1h07m10s
